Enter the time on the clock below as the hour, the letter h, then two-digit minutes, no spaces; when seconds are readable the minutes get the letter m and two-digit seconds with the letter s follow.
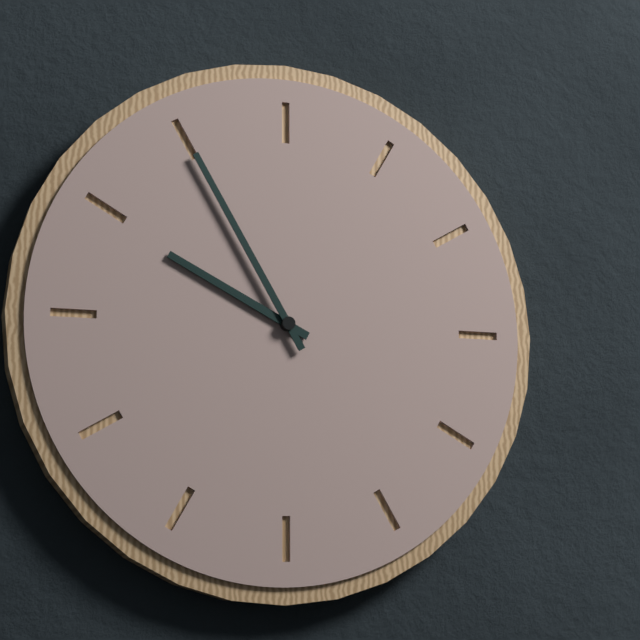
9h55
